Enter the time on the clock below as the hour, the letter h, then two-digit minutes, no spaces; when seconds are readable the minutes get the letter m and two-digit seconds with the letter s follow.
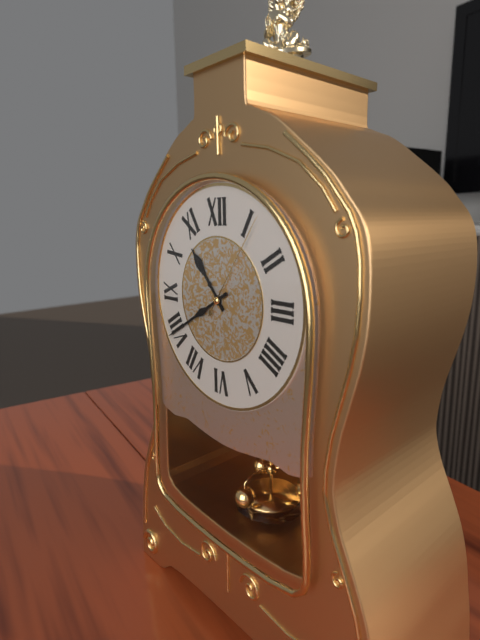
10h40m06s
